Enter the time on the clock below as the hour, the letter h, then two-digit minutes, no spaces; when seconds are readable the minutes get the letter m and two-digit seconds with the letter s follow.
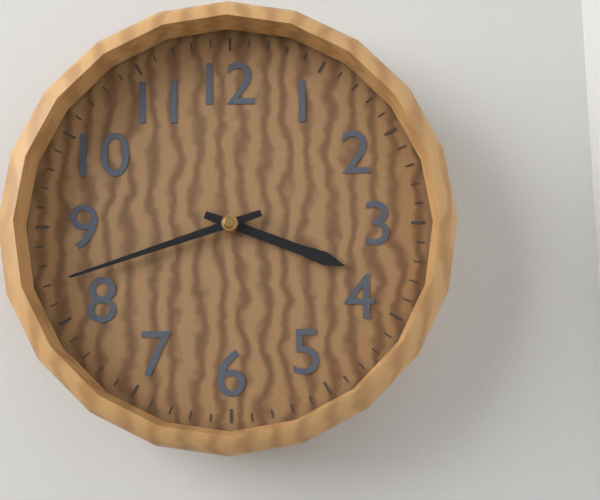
3h42
